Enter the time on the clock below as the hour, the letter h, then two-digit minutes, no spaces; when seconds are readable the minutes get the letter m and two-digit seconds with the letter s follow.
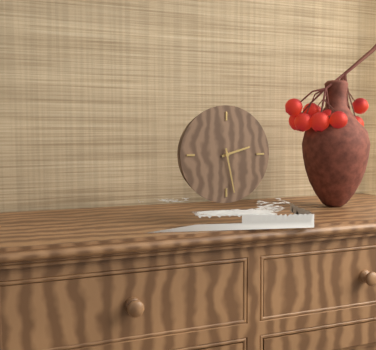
2h28
